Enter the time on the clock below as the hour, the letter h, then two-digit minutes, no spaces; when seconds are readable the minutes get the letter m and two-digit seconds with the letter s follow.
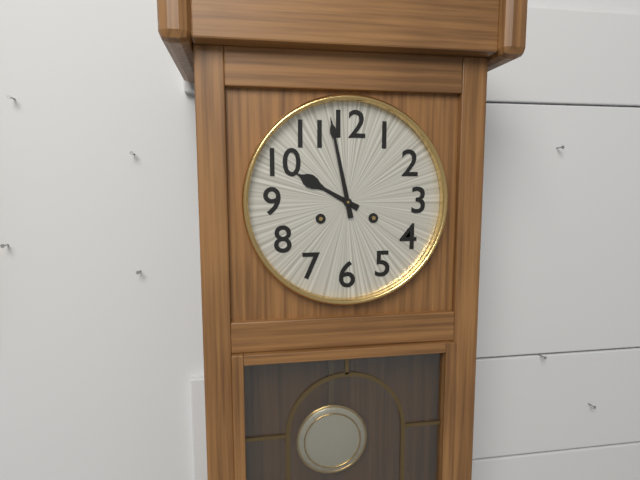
9h58
